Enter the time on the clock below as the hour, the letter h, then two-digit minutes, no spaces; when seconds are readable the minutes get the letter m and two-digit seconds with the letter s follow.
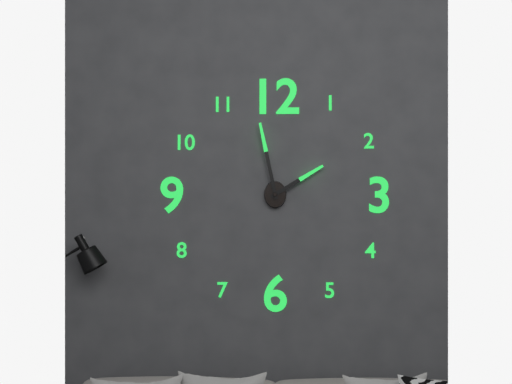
1h58
